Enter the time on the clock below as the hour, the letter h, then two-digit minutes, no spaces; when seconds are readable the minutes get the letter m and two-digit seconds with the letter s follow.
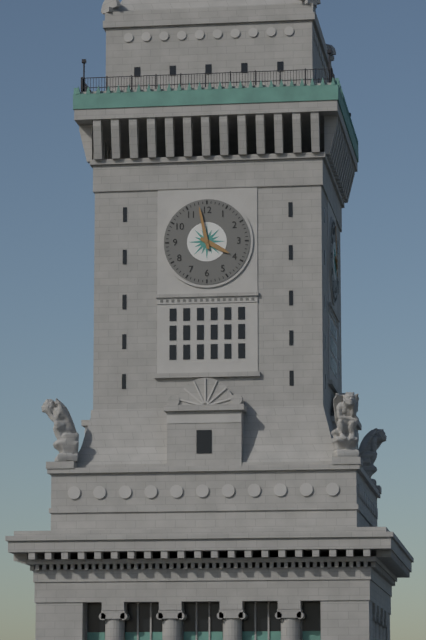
3h58
